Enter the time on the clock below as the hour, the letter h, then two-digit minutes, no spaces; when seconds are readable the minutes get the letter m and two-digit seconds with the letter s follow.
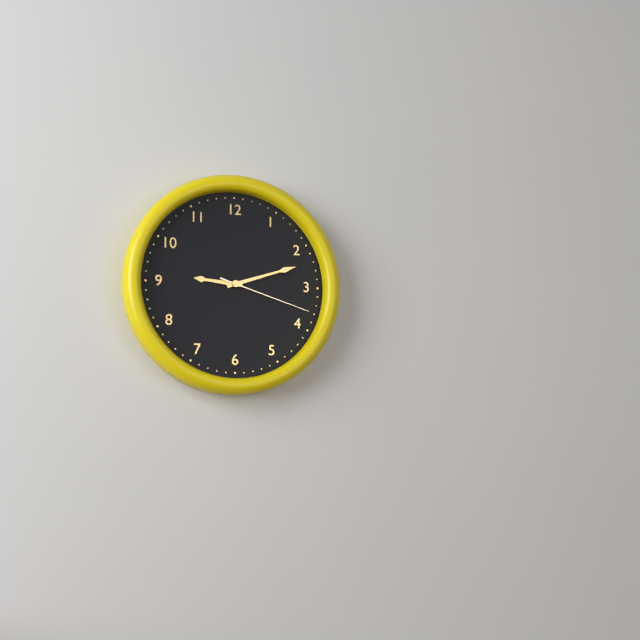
9h12m18s
